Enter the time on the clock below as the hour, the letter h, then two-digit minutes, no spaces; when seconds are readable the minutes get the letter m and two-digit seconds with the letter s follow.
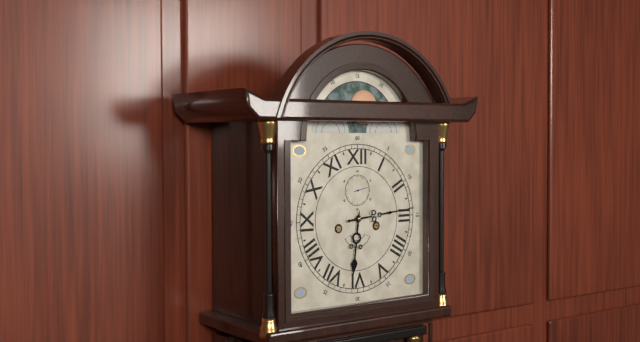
6h14
